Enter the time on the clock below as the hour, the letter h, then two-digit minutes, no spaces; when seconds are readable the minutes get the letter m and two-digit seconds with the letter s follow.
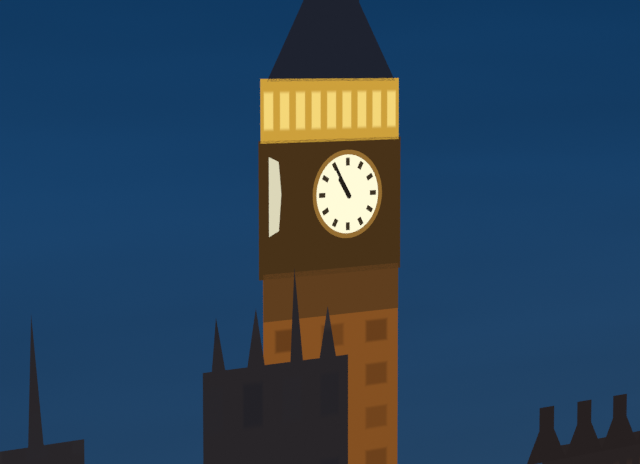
10h55
